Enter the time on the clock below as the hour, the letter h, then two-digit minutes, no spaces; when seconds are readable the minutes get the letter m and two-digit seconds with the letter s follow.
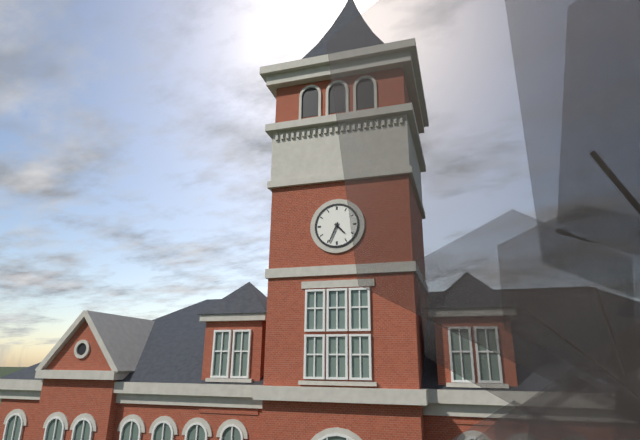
4h34
